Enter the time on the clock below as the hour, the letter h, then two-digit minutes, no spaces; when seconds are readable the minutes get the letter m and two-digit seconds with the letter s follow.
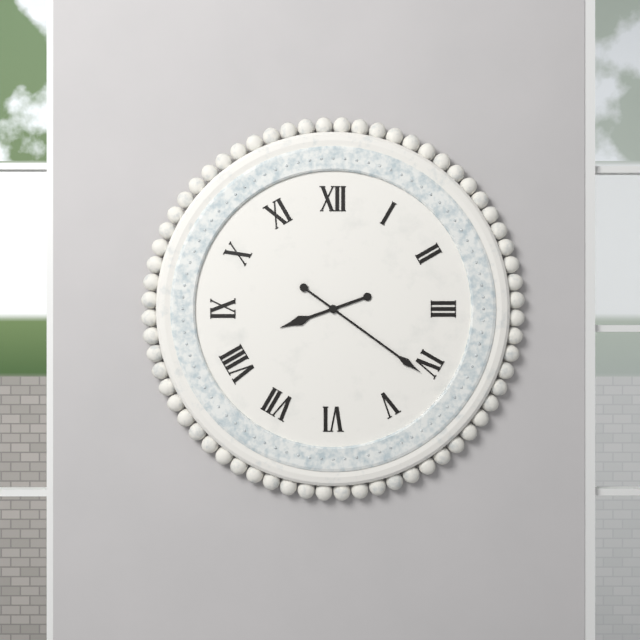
8h21
